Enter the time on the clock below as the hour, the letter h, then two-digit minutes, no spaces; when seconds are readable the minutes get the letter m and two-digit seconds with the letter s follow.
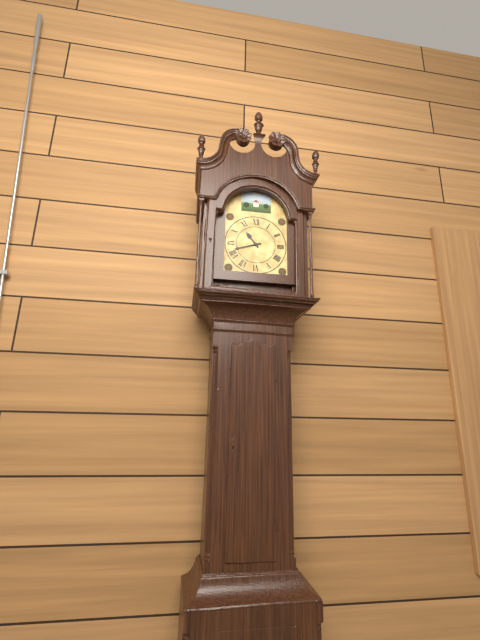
10h42
